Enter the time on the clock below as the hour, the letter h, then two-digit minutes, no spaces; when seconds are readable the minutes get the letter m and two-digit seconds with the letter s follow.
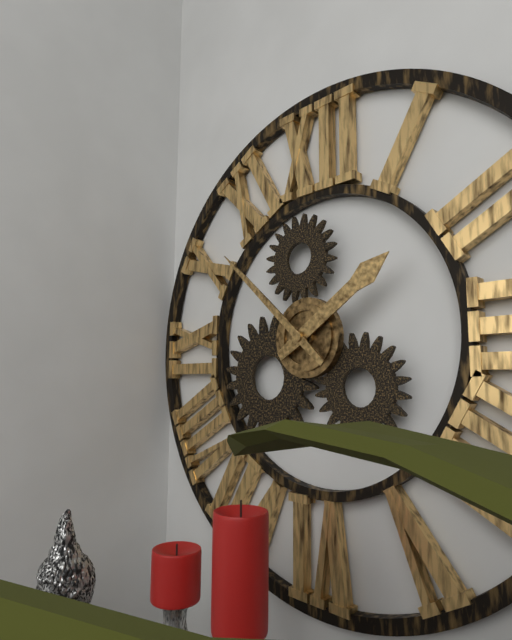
1h52
